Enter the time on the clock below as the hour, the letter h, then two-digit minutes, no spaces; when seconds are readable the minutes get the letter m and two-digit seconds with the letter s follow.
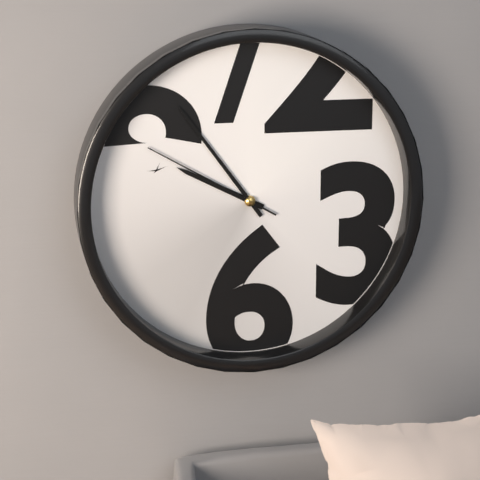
9h54m50s
